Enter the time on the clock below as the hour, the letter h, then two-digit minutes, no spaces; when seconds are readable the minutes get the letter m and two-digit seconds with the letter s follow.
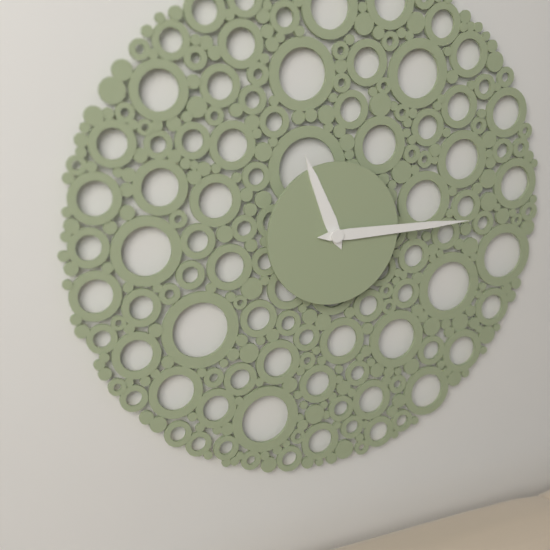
11h15
